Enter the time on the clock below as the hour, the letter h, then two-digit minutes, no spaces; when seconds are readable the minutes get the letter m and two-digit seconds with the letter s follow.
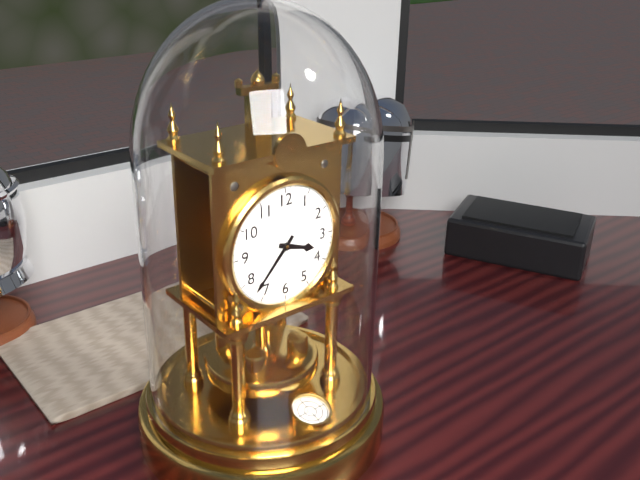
3h37
